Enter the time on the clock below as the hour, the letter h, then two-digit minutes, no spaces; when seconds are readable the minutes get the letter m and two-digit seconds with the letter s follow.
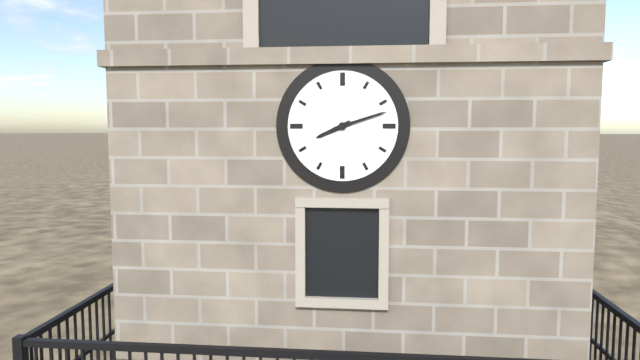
8h12
